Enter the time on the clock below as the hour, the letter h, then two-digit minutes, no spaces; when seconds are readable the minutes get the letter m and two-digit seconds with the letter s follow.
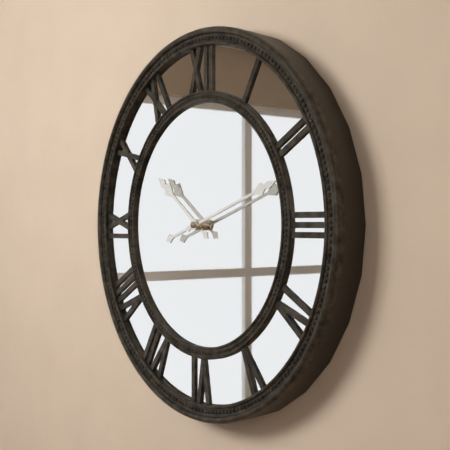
10h12
